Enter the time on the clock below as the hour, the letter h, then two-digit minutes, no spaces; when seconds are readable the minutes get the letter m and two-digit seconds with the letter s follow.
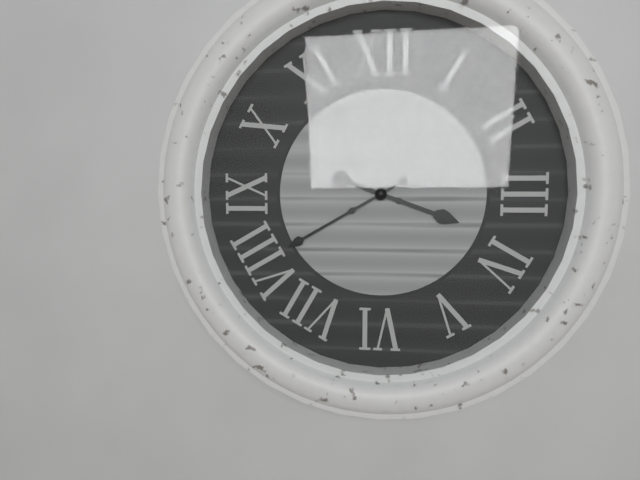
3h40
